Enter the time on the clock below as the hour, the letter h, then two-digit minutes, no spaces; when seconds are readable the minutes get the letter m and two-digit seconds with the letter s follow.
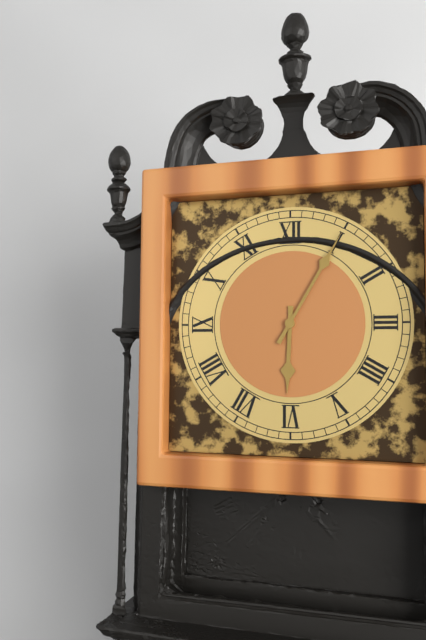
6h05
